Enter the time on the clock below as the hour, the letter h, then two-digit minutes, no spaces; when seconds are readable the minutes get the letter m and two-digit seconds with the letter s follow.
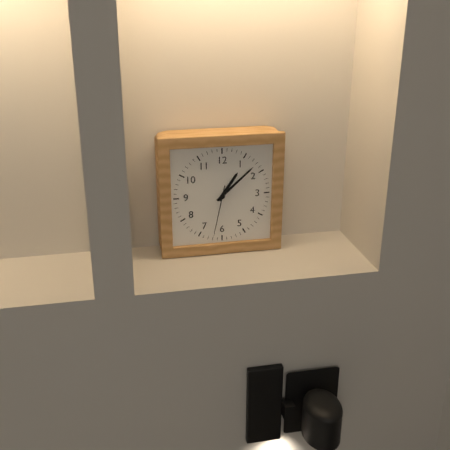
1h08m32s
